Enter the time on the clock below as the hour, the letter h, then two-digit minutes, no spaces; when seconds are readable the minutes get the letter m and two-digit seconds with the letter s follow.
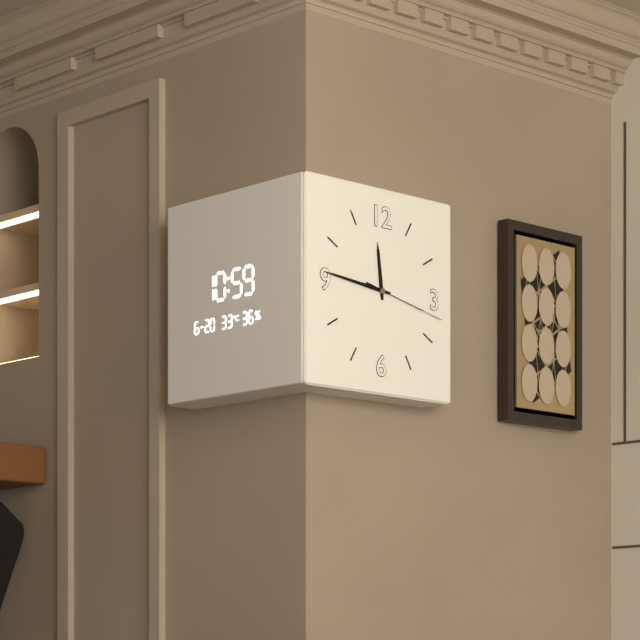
11h46m17s
